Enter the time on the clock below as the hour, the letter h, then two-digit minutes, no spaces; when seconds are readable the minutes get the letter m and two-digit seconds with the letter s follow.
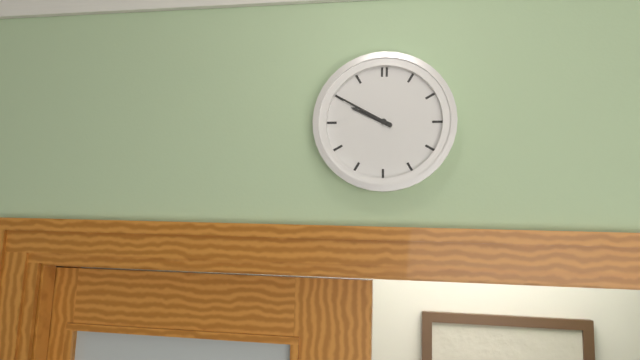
9h50
